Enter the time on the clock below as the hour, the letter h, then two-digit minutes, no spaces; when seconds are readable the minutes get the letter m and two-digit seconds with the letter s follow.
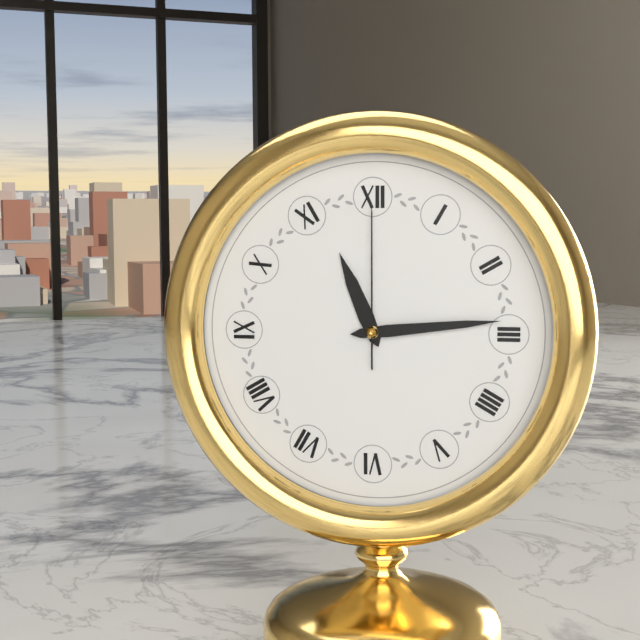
11h14m00s
